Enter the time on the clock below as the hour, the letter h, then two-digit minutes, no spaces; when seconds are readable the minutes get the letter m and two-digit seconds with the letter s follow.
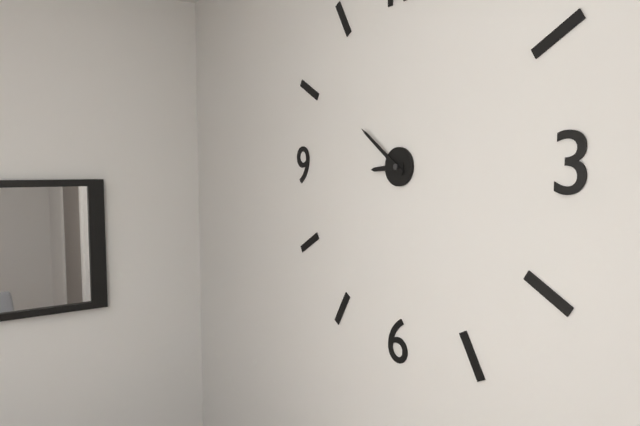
8h51
